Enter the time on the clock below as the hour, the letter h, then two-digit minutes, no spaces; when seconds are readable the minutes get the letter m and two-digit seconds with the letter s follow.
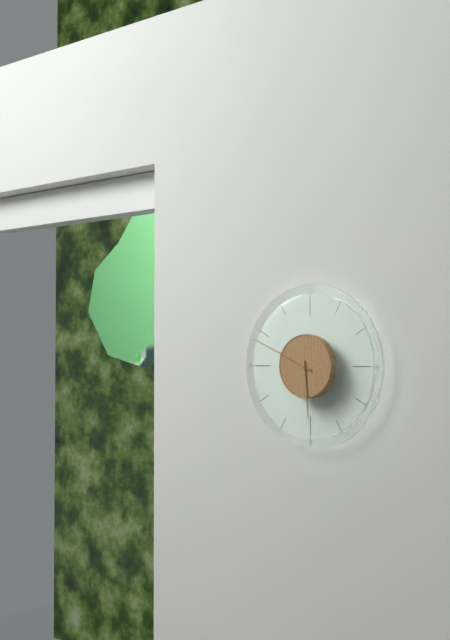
5h49
